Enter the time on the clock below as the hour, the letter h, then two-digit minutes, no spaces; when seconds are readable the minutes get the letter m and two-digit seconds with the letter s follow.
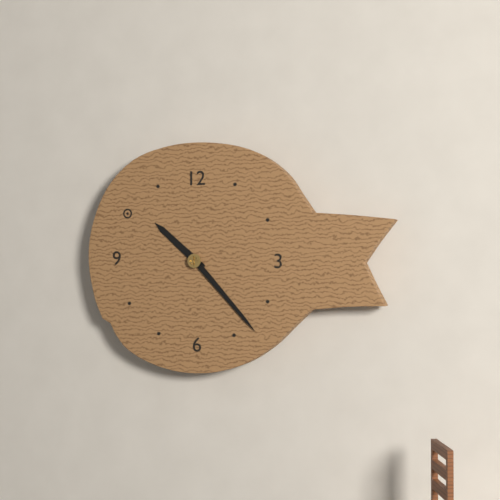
10h23
